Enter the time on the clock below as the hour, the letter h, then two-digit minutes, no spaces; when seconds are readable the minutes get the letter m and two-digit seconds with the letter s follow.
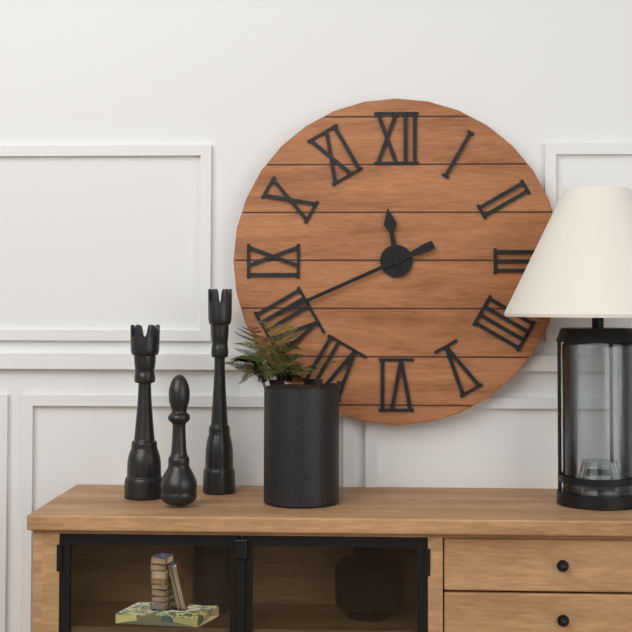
11h41
